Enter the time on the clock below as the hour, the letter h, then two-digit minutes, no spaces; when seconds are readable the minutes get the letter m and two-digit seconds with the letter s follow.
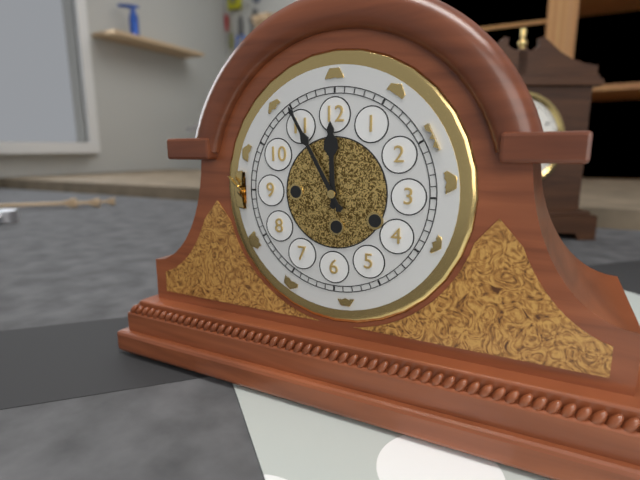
11h55
